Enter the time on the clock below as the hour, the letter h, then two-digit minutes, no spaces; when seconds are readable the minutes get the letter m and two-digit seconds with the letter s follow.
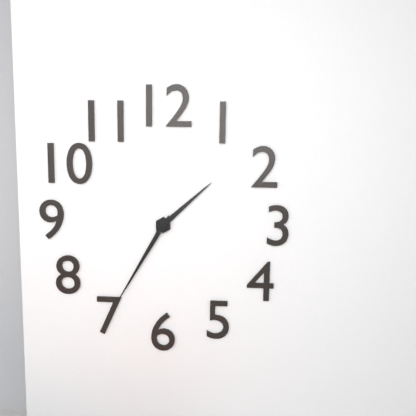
1h35
